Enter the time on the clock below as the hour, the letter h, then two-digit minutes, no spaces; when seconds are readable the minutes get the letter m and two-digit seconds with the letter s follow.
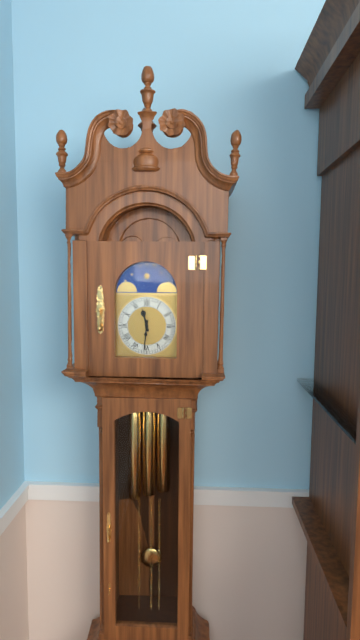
11h31
